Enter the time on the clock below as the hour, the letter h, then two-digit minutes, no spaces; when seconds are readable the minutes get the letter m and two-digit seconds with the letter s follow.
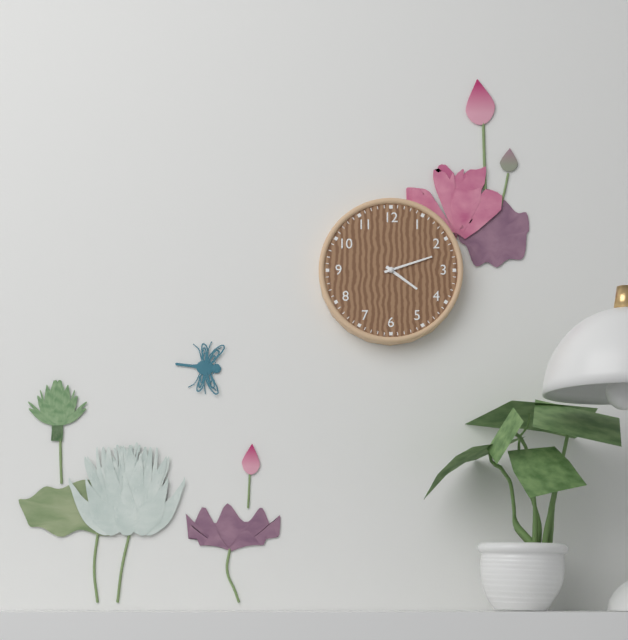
4h12
